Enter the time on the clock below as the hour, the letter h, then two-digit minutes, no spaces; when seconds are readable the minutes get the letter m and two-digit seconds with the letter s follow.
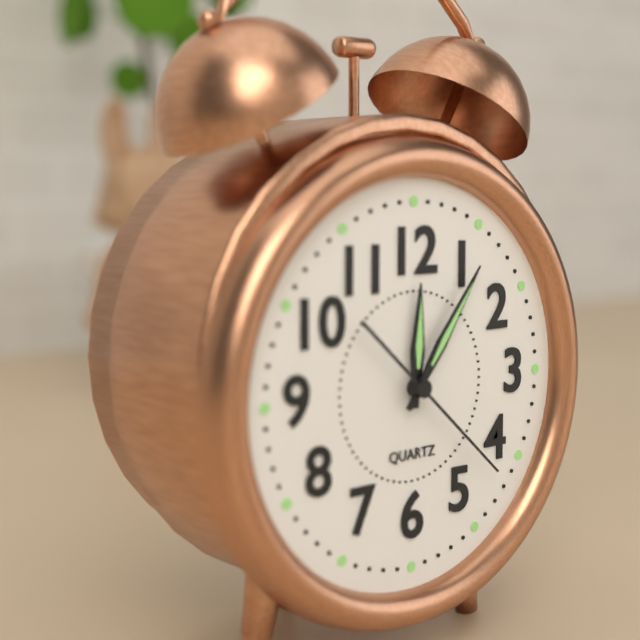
12h06m22s
